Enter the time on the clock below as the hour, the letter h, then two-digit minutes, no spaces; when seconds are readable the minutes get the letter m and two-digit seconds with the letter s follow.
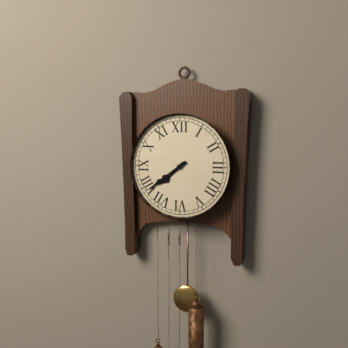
7h39
